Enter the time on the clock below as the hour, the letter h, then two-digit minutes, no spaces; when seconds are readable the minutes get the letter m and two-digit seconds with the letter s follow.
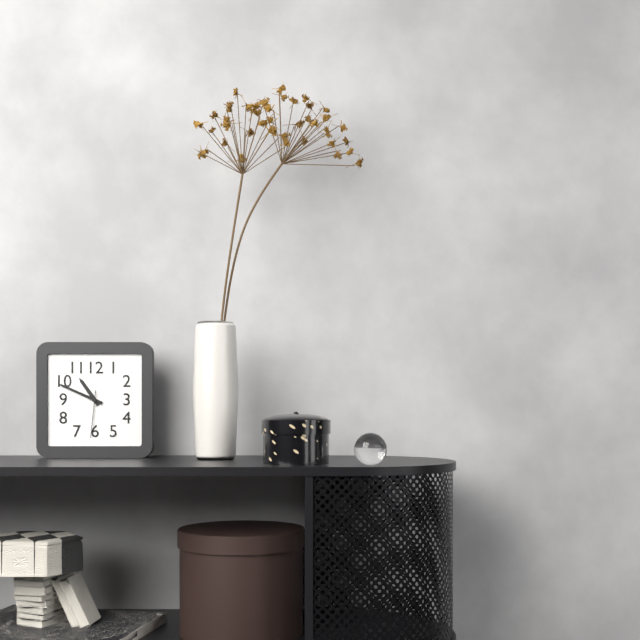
10h49
